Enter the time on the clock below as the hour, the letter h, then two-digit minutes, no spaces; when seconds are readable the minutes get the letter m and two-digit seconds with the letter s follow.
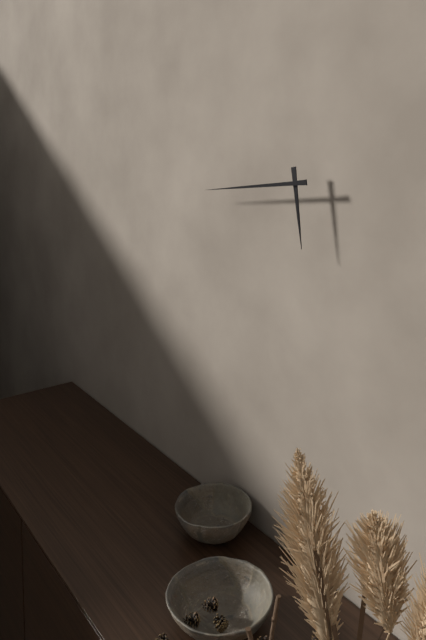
5h44
